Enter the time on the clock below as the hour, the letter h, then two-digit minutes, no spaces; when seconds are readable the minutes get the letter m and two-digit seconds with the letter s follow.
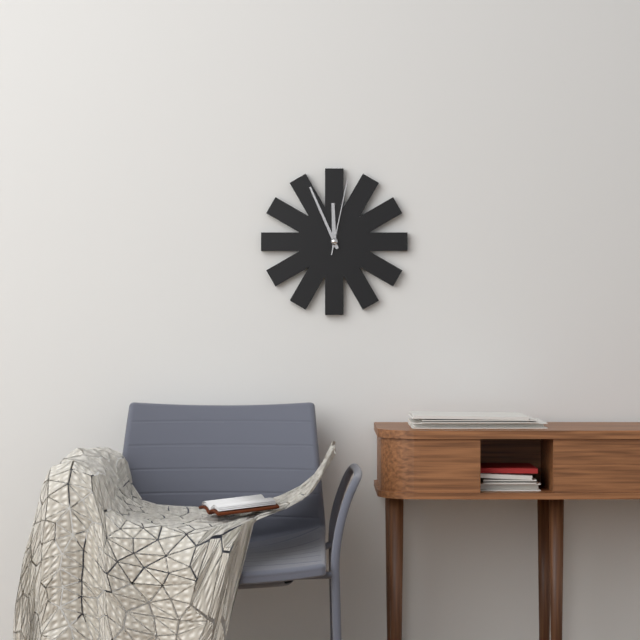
11h56m02s
